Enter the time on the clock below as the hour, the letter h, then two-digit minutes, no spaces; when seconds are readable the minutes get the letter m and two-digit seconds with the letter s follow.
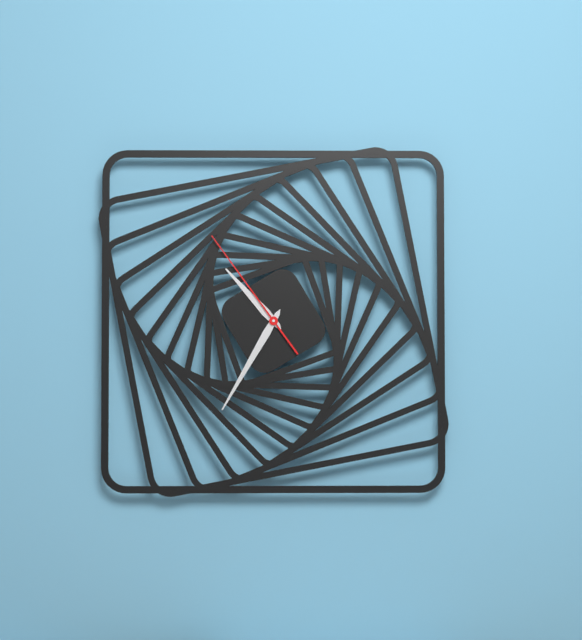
10h35m54s
